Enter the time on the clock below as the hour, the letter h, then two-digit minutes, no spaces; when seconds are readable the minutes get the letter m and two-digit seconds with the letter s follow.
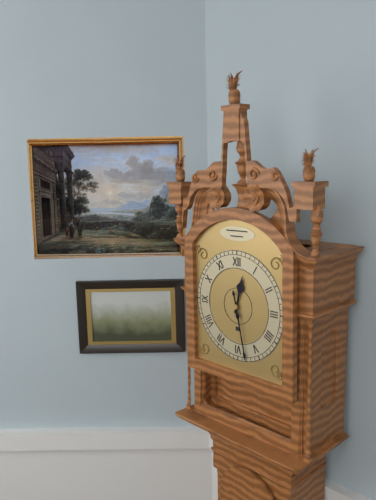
12h28
